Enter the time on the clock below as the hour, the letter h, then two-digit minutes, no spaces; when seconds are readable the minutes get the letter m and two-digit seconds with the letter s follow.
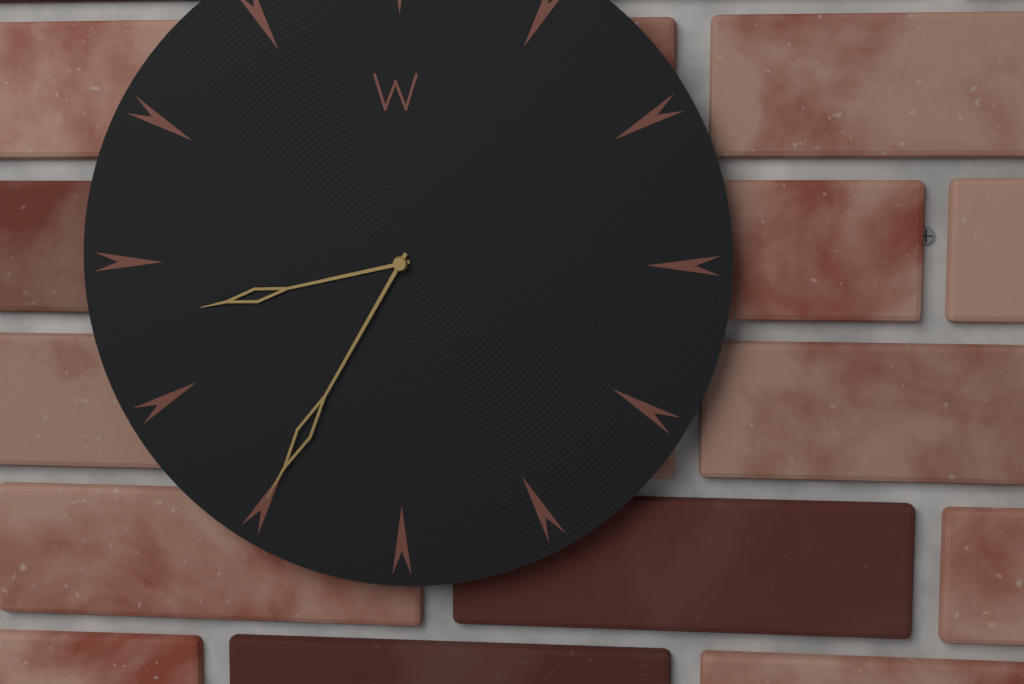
8h35
